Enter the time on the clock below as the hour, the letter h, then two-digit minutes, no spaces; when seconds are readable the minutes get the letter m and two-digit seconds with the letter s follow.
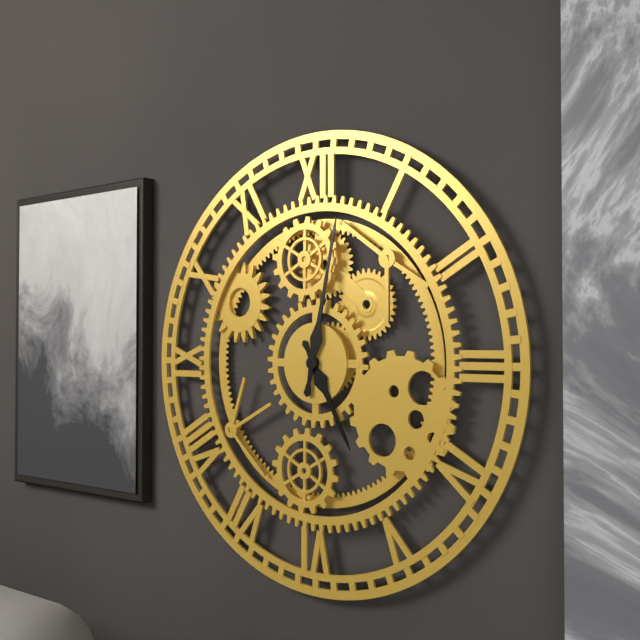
5h02
